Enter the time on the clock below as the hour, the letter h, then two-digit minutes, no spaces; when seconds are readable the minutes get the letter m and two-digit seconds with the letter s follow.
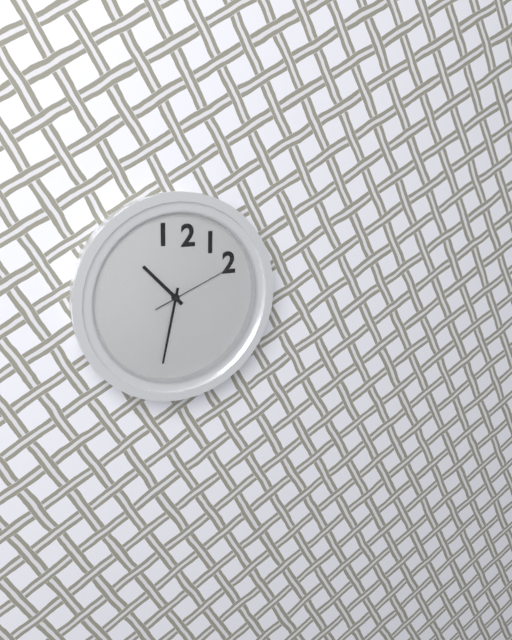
10h32m11s
